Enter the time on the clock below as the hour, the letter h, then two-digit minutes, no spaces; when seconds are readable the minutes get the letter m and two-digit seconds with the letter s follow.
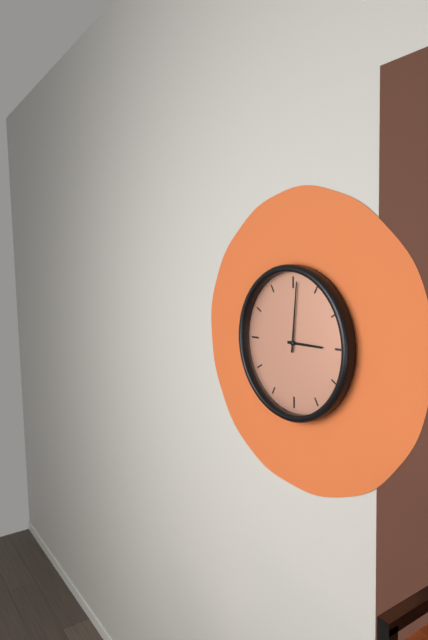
3h01
